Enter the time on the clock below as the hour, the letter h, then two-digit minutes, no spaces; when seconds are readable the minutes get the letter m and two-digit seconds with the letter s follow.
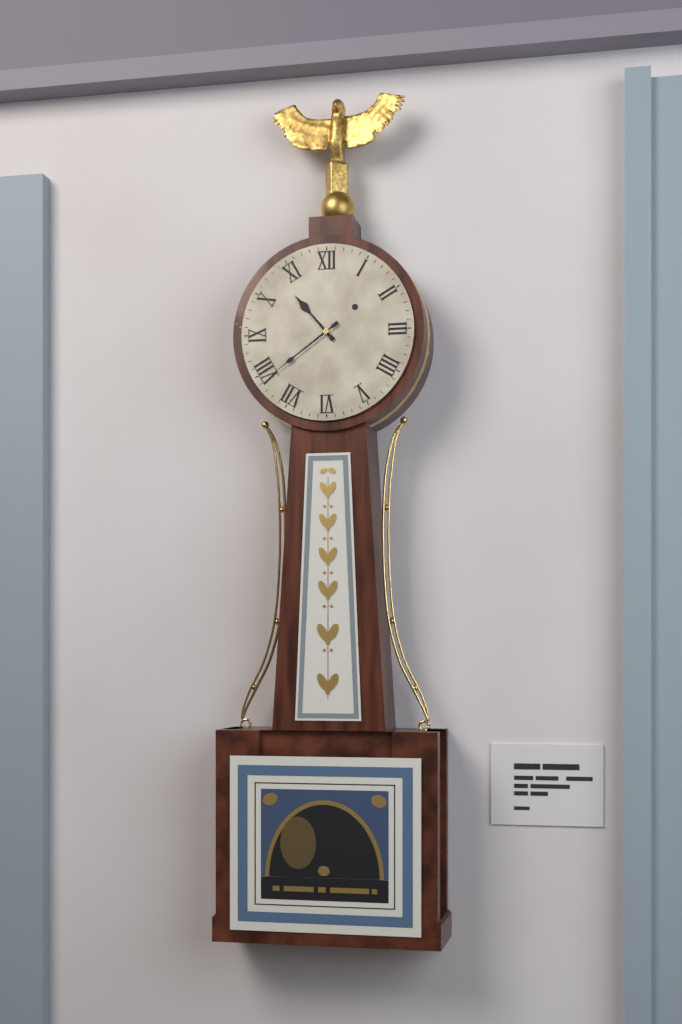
10h39
